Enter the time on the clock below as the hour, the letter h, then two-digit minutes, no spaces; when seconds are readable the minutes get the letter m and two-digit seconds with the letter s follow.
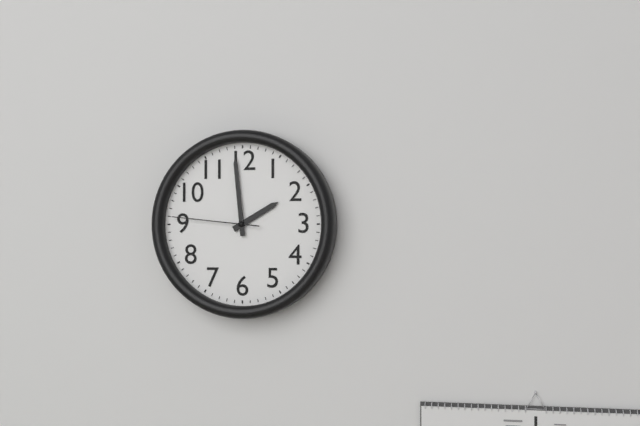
1h59m46s
